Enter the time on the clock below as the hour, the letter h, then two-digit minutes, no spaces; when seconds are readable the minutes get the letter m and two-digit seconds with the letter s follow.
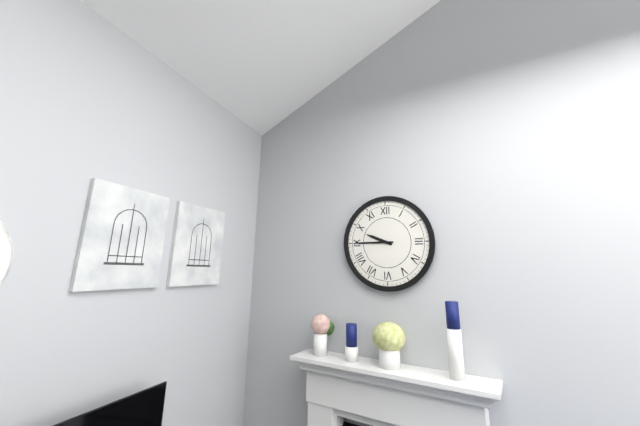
9h45
